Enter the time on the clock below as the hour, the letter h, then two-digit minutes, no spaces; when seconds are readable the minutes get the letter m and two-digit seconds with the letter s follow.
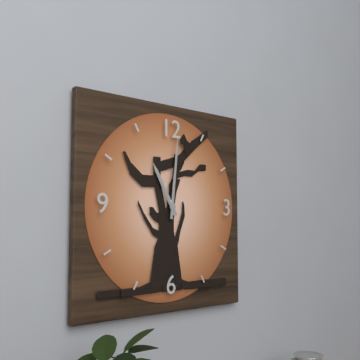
11h01
